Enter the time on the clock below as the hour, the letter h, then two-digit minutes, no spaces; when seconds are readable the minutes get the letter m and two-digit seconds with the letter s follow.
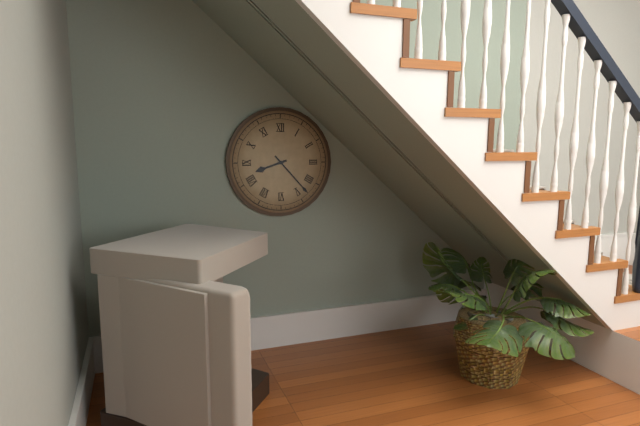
8h23
